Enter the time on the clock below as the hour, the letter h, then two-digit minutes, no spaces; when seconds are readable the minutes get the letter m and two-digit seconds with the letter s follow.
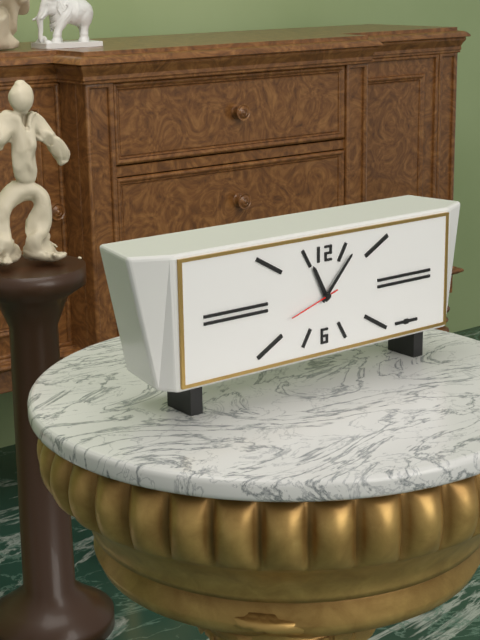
11h07
